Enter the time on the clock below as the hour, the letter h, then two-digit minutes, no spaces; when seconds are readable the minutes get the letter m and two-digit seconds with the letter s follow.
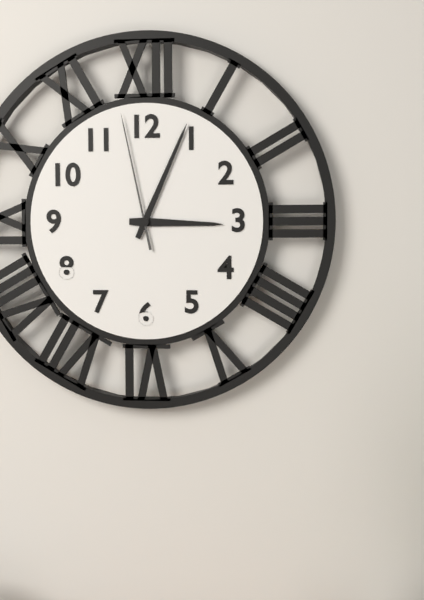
3h04m58s
